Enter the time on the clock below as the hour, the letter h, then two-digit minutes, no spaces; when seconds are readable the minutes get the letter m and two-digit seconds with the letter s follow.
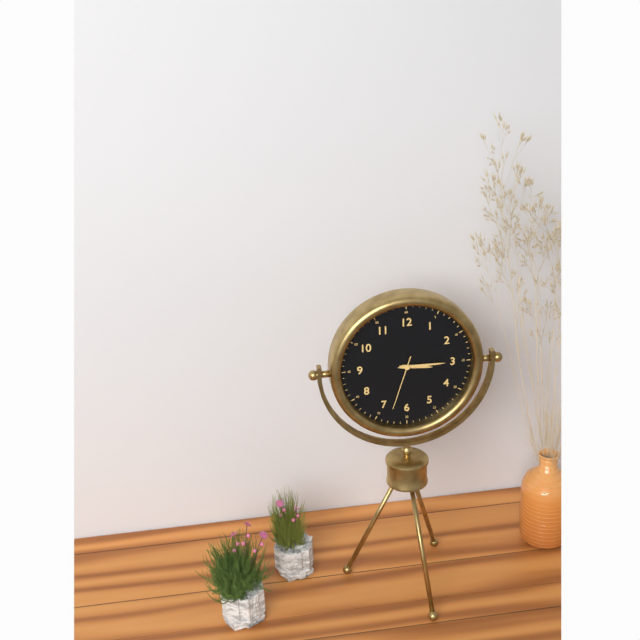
3h15m33s
